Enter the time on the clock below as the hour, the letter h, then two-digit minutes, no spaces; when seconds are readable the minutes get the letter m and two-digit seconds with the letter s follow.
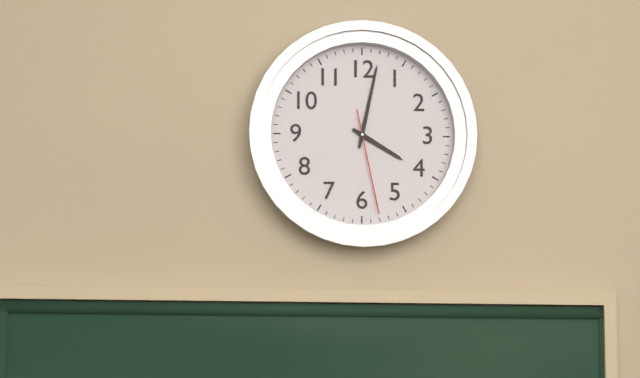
4h02m28s
